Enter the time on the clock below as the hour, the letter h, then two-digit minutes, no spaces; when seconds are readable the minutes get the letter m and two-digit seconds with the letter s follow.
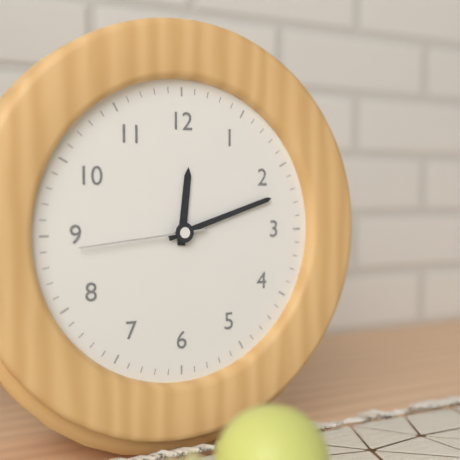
12h12m44s
